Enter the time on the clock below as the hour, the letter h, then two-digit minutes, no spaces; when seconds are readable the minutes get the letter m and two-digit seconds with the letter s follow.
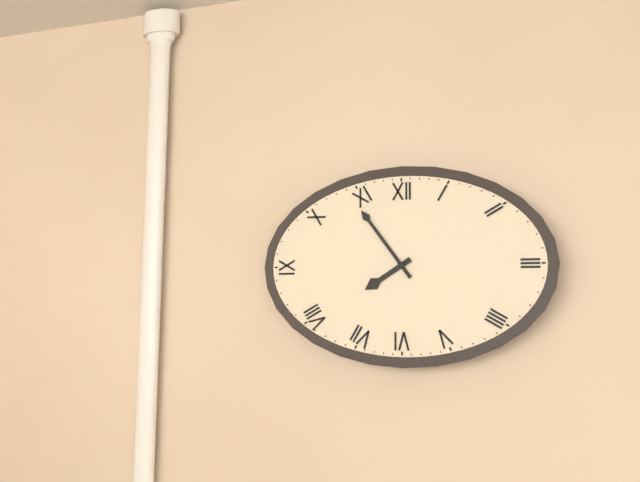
7h54
